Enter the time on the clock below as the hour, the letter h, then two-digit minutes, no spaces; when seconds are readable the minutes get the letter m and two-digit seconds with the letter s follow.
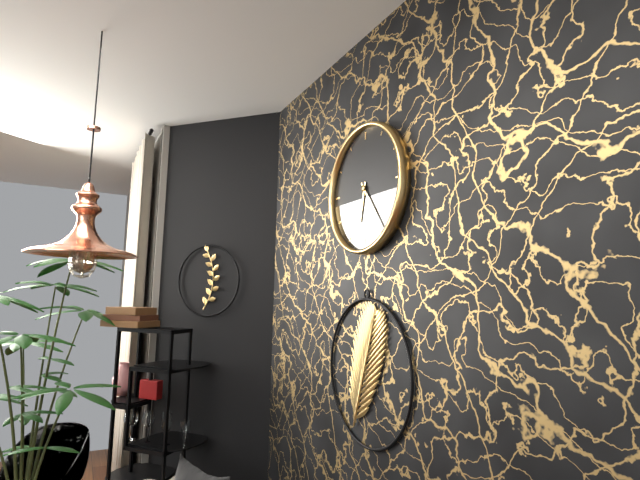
6h24
